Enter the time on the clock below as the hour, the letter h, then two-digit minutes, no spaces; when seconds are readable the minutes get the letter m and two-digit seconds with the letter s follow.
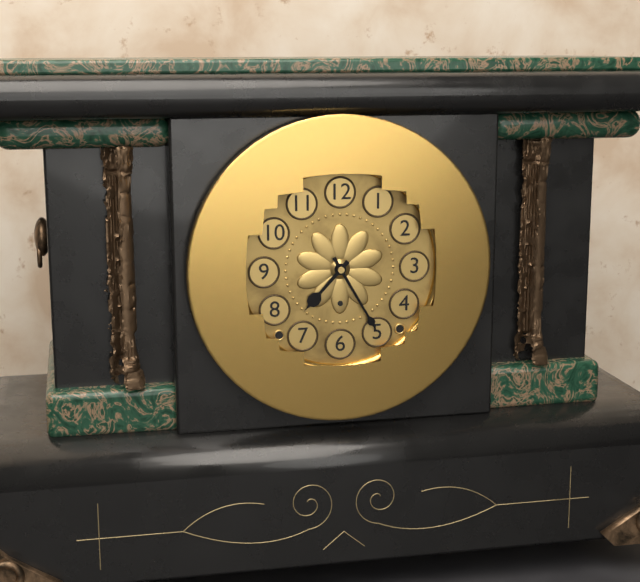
7h25
